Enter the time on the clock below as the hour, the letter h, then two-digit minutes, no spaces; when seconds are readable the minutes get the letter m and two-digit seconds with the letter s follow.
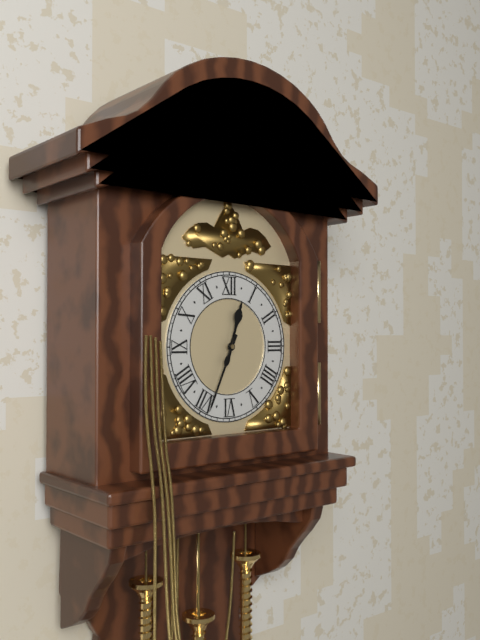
12h34
